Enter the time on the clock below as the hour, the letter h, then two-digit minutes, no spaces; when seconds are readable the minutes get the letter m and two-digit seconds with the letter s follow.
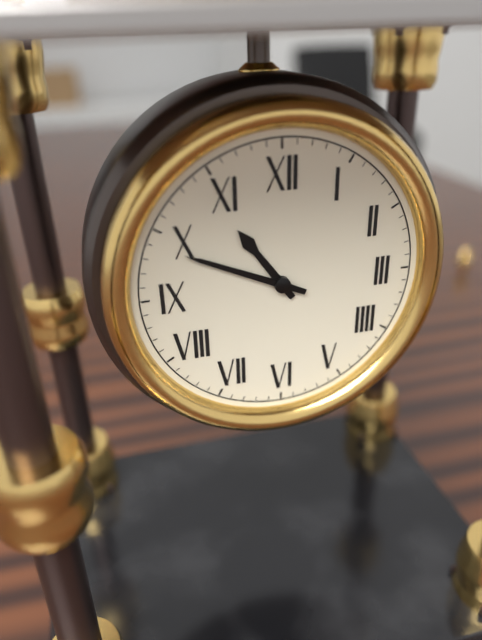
10h49
